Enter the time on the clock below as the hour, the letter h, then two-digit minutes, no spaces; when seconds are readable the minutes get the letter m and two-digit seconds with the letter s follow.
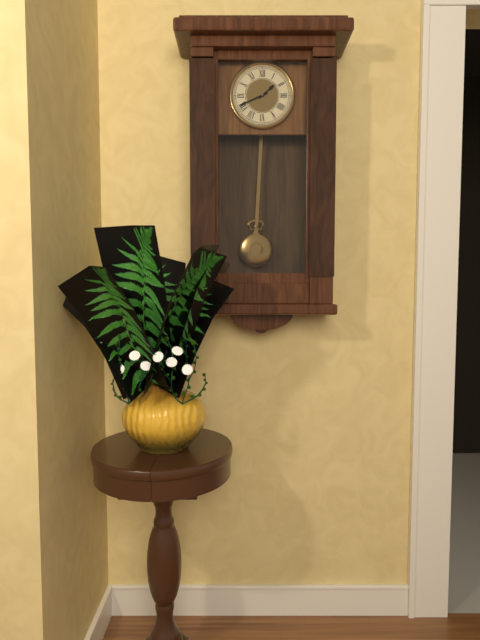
1h41
